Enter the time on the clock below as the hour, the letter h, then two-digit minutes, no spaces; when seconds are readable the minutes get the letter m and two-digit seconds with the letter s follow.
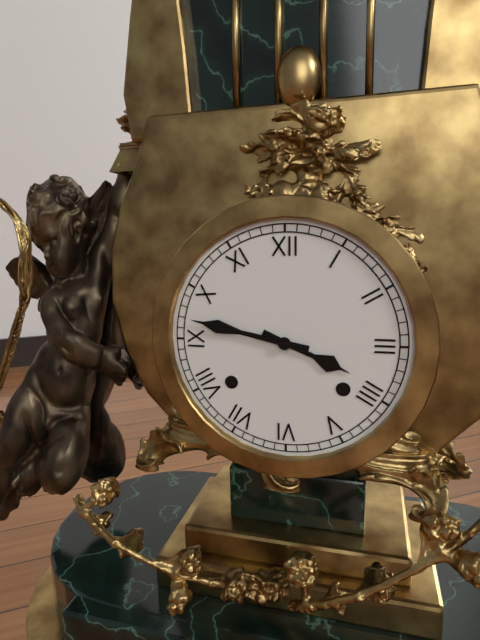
3h47
